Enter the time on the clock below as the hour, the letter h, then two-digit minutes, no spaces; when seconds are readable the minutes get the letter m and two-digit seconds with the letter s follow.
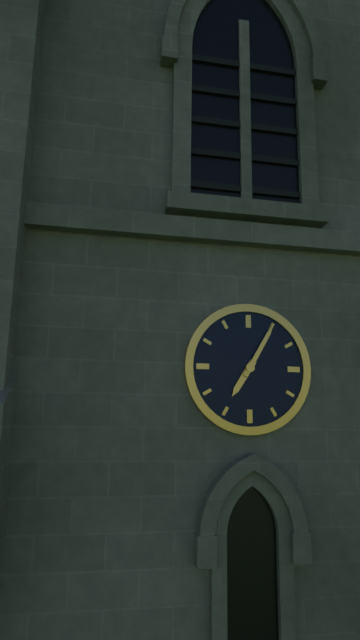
7h05
